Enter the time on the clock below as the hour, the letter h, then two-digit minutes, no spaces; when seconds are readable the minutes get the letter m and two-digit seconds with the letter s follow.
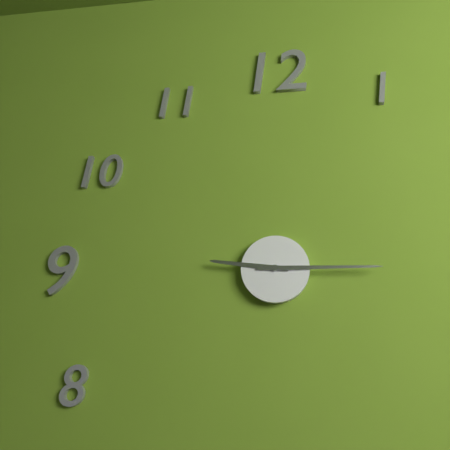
9h15
